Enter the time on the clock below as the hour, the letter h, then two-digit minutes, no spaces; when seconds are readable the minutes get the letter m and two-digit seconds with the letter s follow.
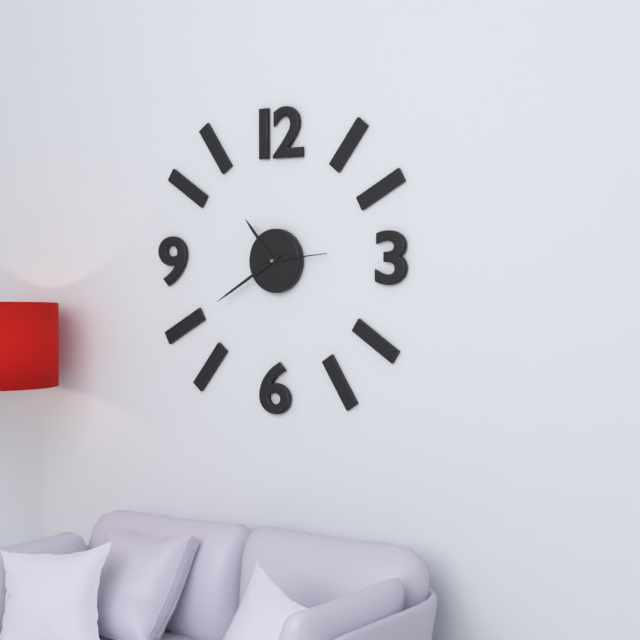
10h40m14s
